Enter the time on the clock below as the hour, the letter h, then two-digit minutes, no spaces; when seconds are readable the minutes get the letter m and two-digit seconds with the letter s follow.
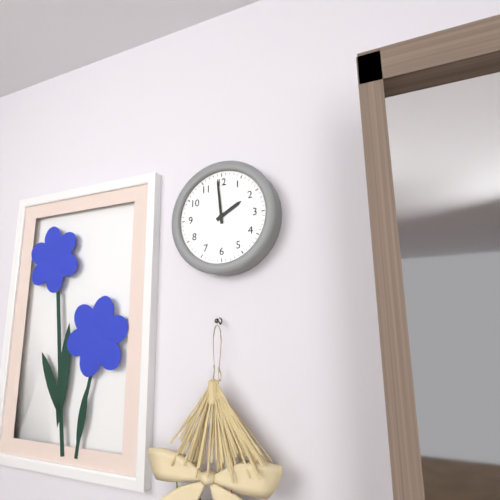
1h59
